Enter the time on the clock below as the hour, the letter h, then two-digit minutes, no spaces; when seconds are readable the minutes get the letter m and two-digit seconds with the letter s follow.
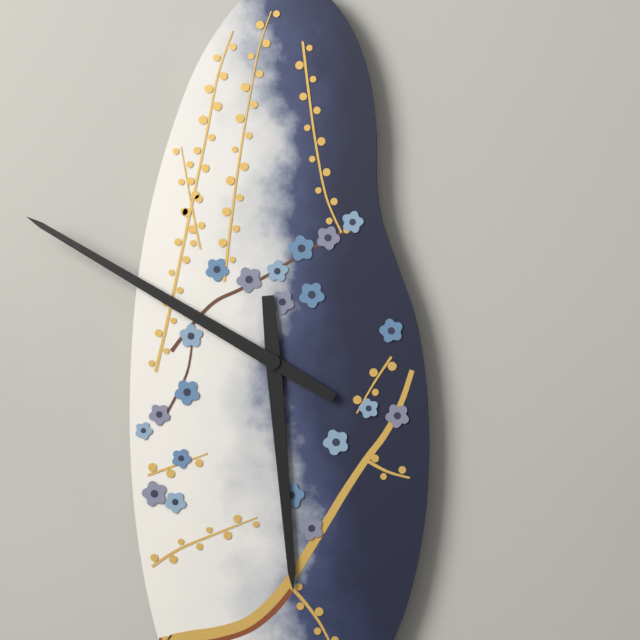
5h50
